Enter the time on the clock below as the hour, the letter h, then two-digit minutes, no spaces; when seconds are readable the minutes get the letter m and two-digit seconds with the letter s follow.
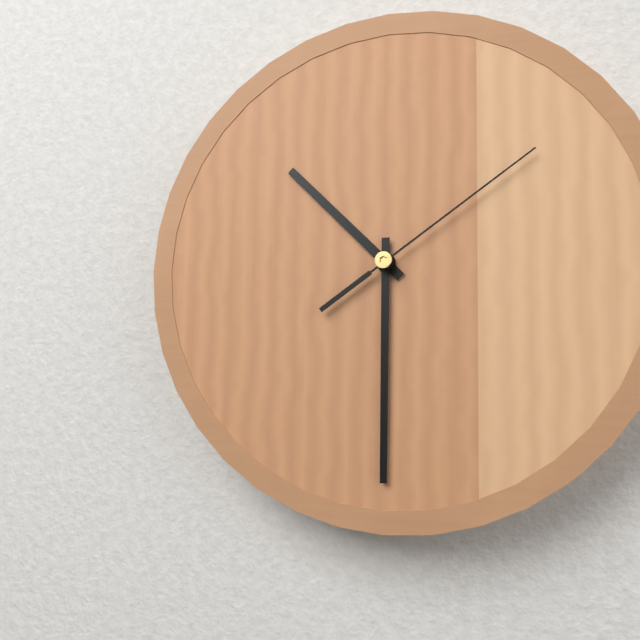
10h30m09s
